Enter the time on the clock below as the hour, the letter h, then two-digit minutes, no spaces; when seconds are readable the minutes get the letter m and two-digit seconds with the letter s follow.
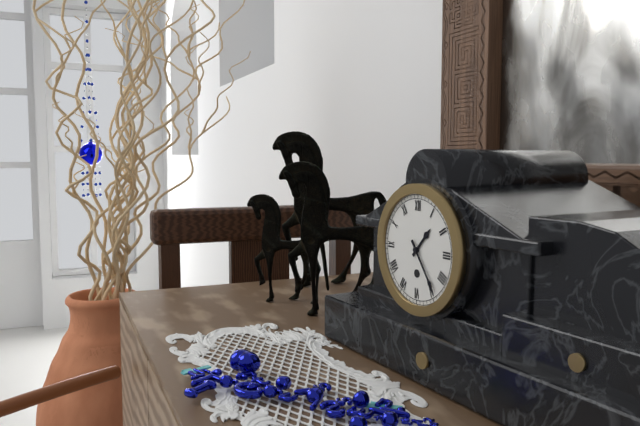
1h24
